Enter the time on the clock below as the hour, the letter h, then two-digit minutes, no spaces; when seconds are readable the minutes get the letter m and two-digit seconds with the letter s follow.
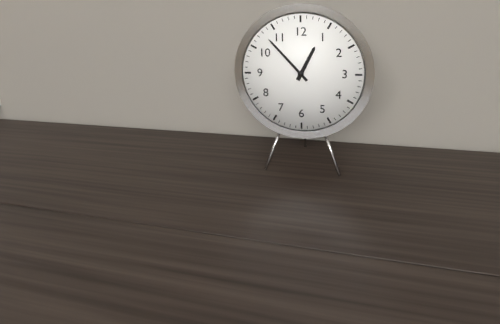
12h53
